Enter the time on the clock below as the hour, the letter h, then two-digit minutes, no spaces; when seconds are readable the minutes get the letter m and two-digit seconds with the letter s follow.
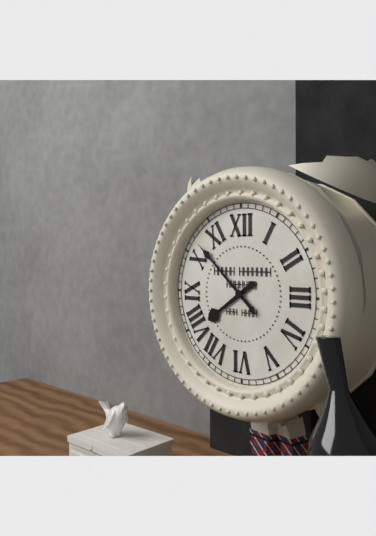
7h52
